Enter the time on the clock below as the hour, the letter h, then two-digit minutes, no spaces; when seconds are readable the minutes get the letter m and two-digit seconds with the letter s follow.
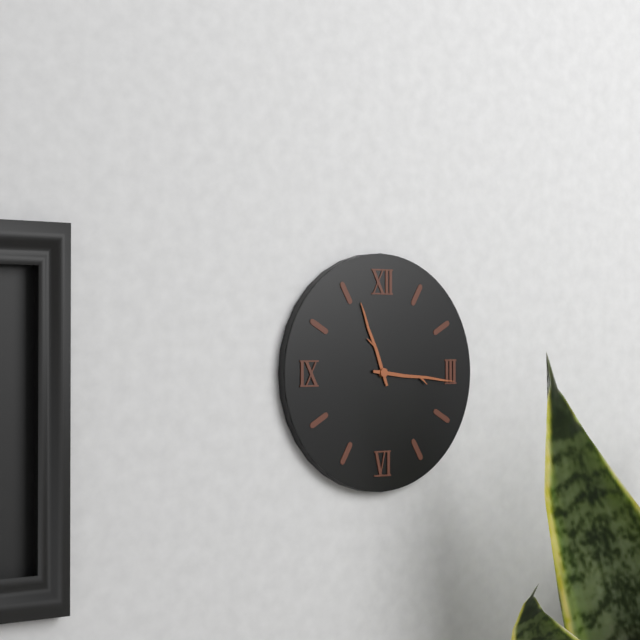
11h16
